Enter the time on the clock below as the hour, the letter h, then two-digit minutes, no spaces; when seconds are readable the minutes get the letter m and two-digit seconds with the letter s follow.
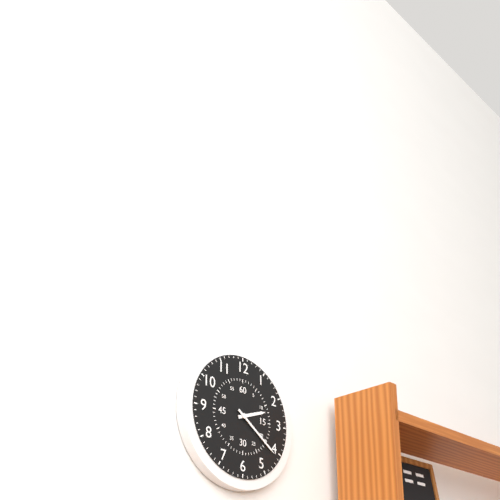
2h21
